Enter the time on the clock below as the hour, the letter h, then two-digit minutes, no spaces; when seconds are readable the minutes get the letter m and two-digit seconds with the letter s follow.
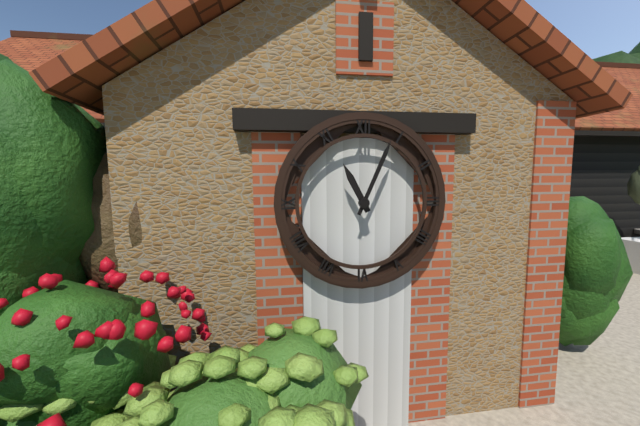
11h04
